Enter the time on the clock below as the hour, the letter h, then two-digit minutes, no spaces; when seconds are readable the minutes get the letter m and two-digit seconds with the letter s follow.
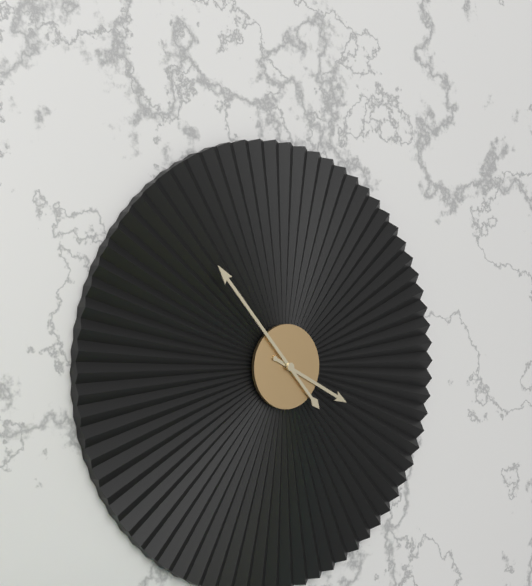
3h53
